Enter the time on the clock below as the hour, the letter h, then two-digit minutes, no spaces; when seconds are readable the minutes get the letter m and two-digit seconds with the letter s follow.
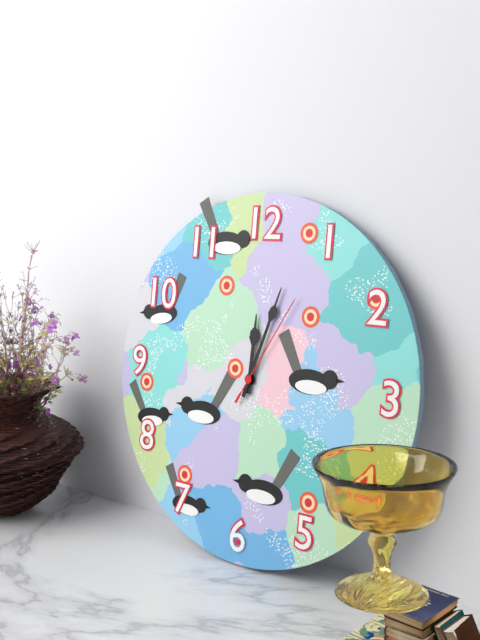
12h03m05s
